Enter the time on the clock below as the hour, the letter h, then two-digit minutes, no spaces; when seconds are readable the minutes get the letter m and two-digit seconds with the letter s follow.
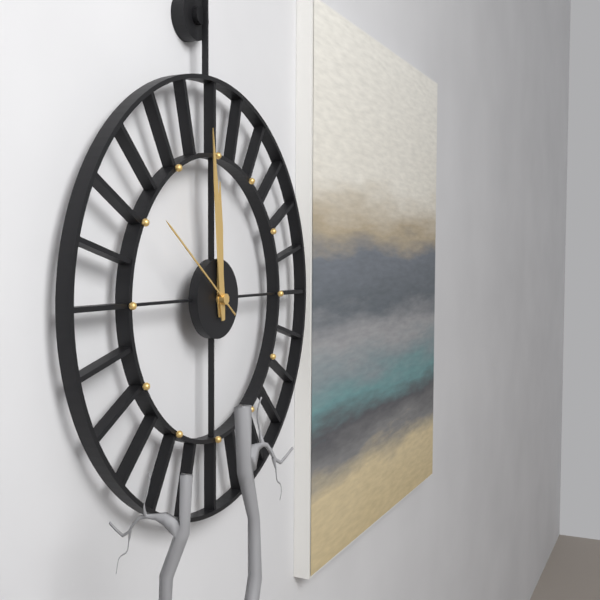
11h59m51s
